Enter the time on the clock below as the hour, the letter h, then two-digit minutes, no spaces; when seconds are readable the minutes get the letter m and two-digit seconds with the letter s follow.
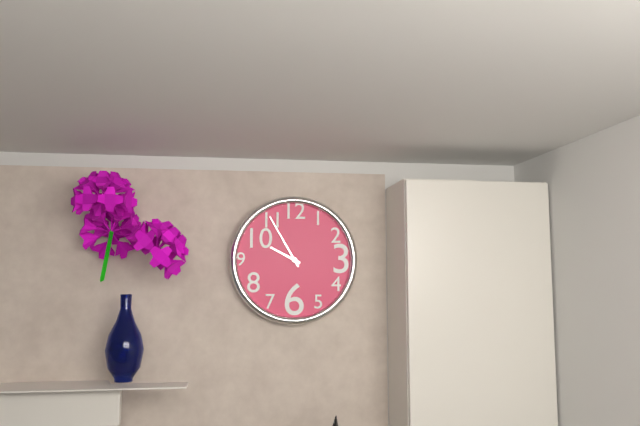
9h55
